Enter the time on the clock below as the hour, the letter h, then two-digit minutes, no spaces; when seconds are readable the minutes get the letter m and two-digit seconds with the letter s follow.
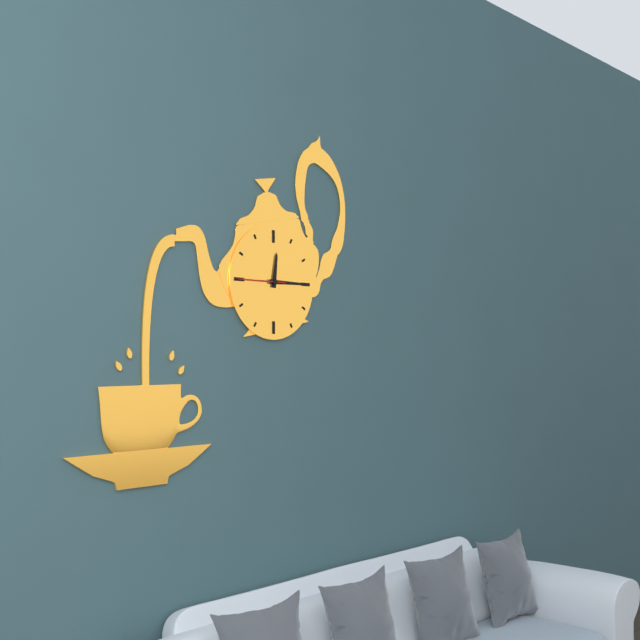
12h15m45s
